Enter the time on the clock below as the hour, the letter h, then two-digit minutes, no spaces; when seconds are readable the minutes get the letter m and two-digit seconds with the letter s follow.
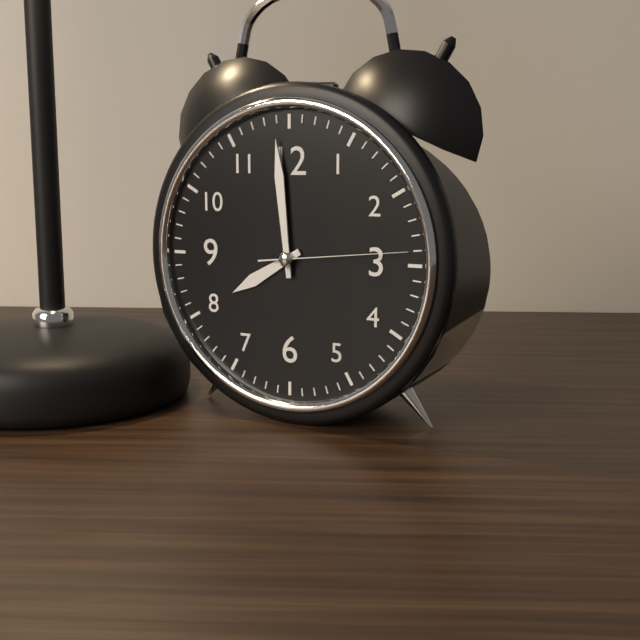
7h59m14s
